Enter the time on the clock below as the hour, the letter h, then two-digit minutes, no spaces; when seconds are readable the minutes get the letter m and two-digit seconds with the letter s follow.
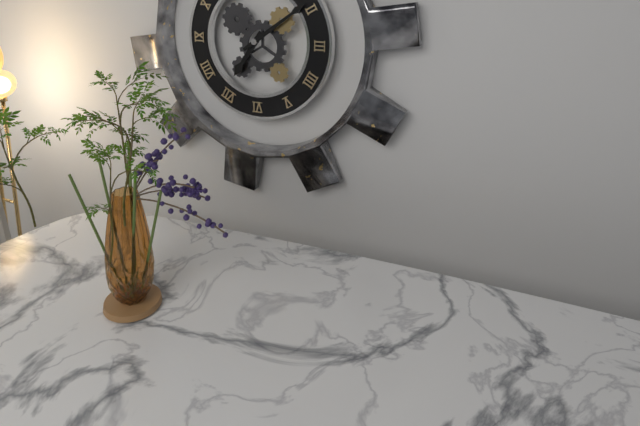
7h09
